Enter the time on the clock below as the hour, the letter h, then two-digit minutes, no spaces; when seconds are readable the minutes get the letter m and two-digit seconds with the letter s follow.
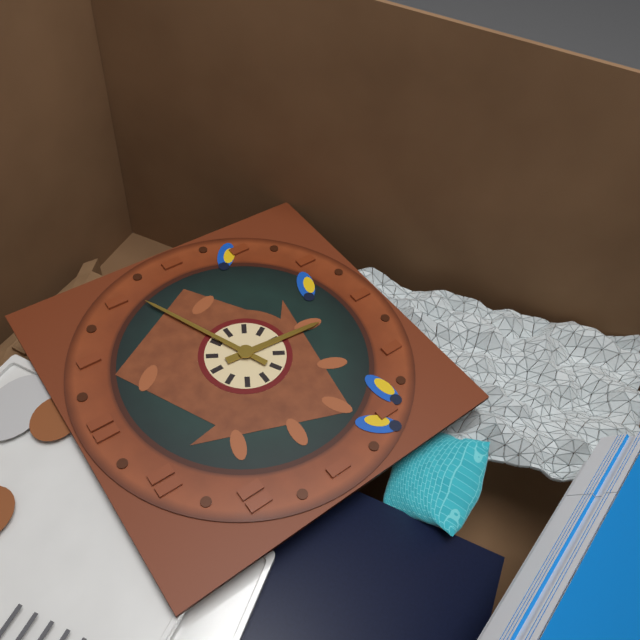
6h11
